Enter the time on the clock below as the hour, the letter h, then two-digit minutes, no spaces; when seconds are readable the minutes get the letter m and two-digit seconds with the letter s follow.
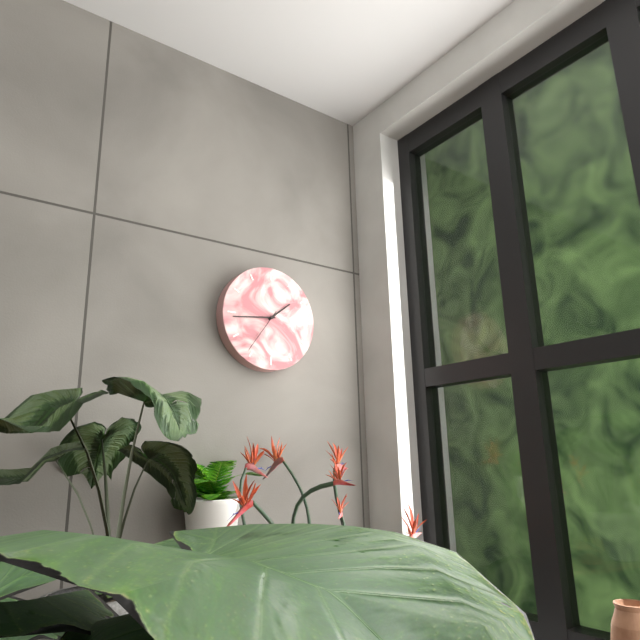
1h44m36s
